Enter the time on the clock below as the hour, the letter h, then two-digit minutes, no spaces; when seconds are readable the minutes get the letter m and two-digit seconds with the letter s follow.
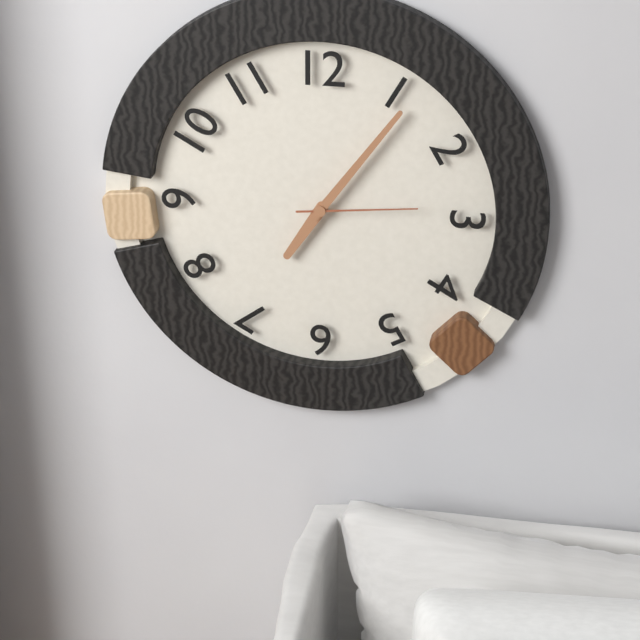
7h06m14s
